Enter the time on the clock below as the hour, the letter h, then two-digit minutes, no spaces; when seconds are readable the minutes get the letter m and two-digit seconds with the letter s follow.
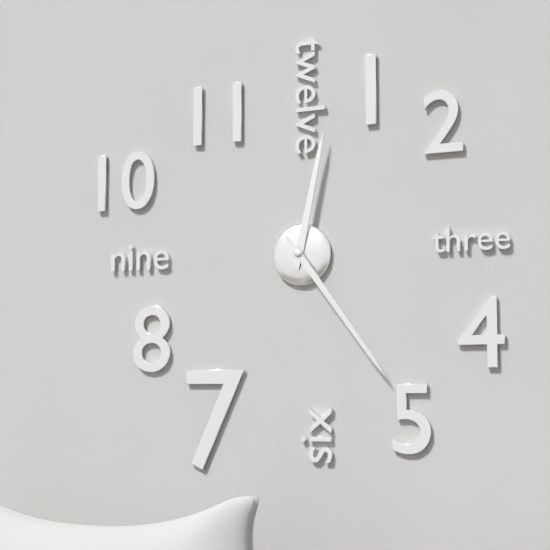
12h24
